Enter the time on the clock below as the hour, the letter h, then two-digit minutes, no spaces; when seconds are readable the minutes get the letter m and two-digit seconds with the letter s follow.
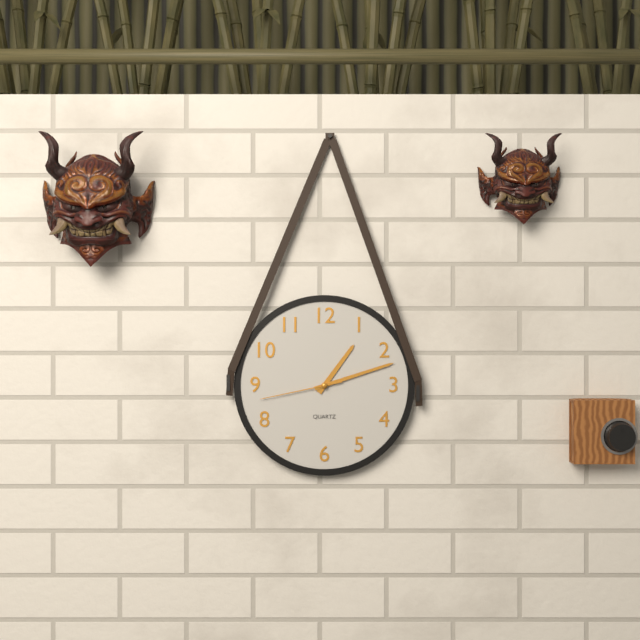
1h12m43s
